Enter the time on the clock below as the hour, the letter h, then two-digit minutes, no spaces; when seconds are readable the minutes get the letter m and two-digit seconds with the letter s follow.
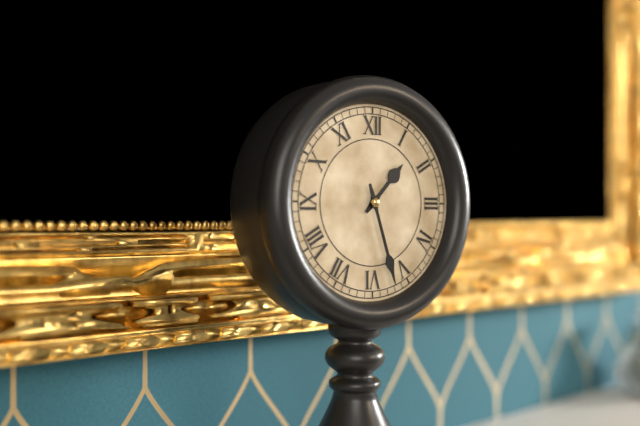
1h27
